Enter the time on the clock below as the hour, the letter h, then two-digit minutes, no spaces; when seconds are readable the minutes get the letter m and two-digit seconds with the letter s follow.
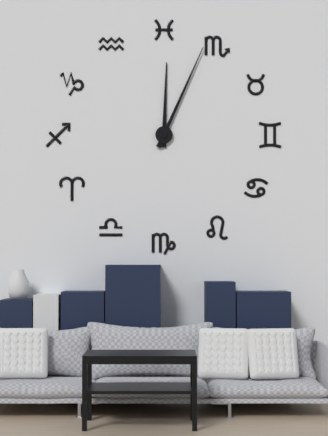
12h04
